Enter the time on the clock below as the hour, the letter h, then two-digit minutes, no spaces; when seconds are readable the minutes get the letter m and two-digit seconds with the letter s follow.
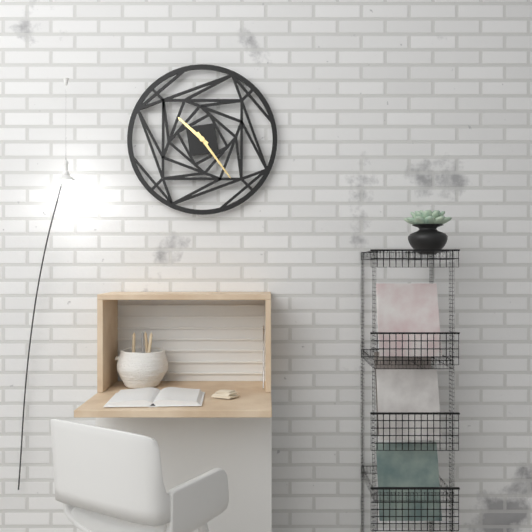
10h24
